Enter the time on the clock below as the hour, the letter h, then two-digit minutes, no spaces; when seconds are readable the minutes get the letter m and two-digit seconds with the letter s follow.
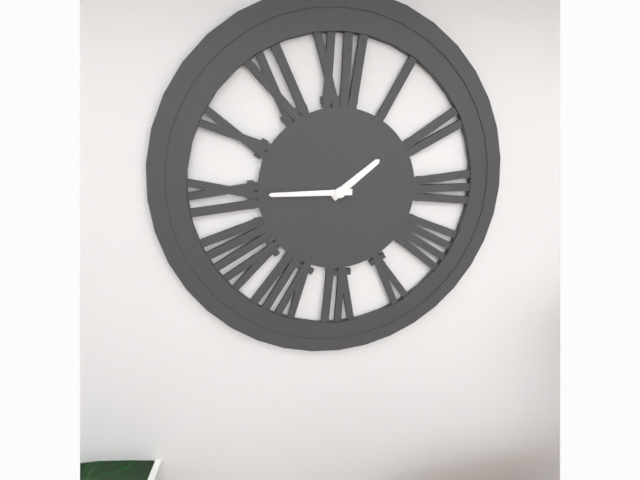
1h45
